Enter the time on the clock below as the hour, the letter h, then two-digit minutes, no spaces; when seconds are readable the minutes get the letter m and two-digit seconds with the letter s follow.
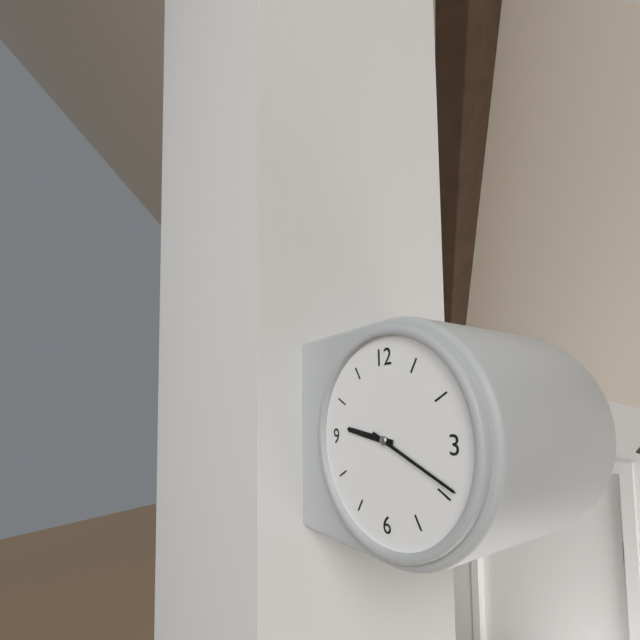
9h19
